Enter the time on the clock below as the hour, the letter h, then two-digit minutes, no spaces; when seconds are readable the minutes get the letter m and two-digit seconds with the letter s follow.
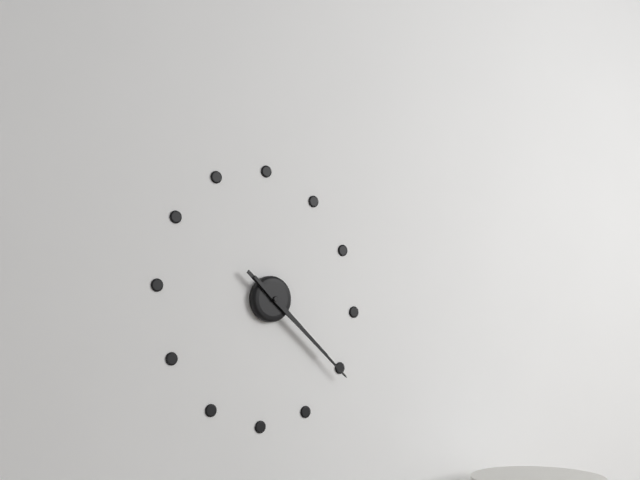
4h22
